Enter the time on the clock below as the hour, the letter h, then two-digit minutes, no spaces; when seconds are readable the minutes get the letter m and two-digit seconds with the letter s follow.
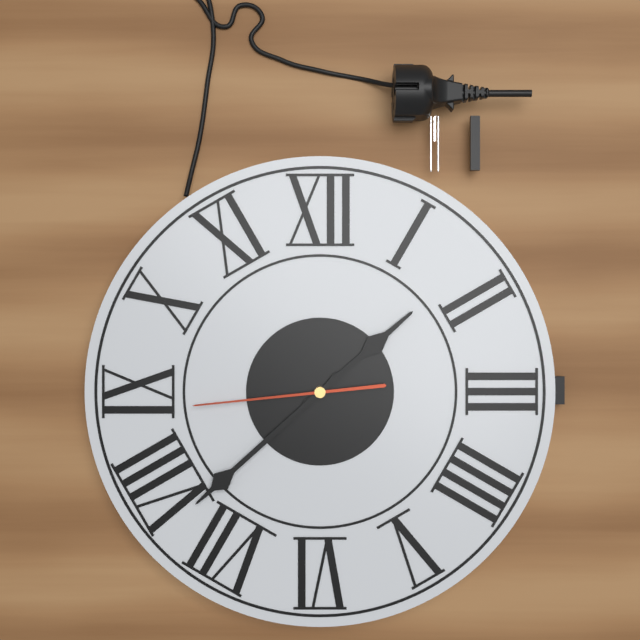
1h38m44s
